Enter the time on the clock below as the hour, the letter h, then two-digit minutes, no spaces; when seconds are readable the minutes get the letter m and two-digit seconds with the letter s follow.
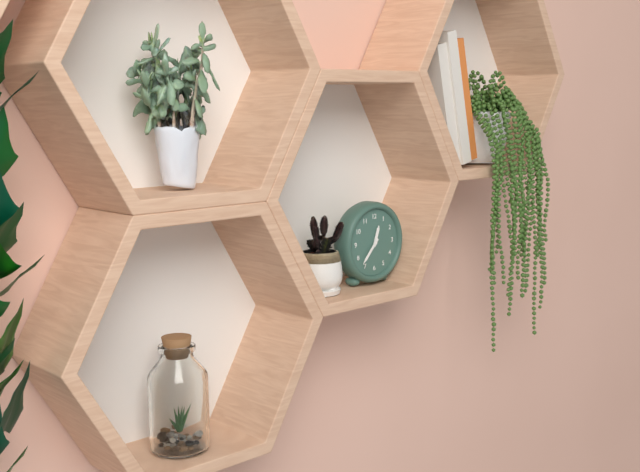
12h37
